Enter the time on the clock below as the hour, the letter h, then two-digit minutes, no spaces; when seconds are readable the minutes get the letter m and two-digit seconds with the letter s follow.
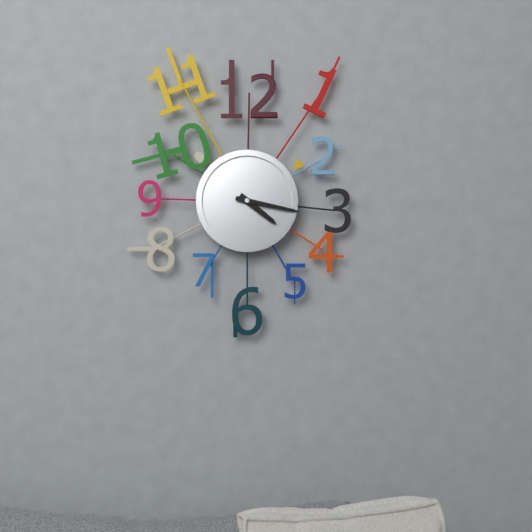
4h17
